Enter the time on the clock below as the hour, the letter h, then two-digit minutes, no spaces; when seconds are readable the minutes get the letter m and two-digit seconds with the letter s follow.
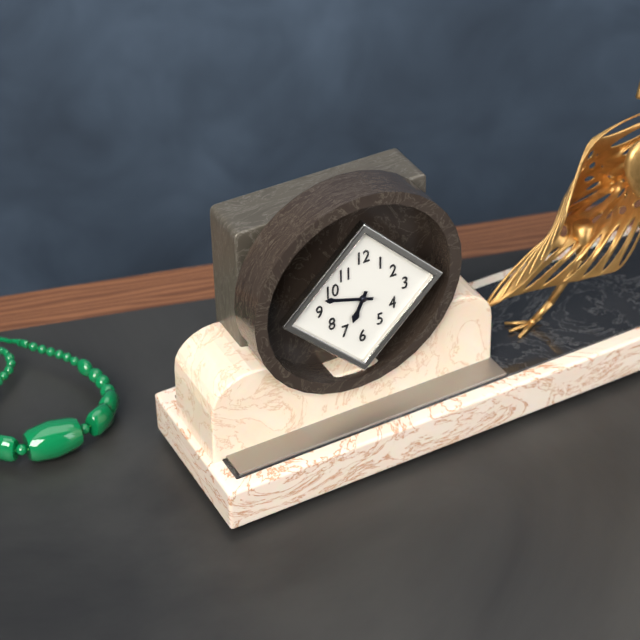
6h48
